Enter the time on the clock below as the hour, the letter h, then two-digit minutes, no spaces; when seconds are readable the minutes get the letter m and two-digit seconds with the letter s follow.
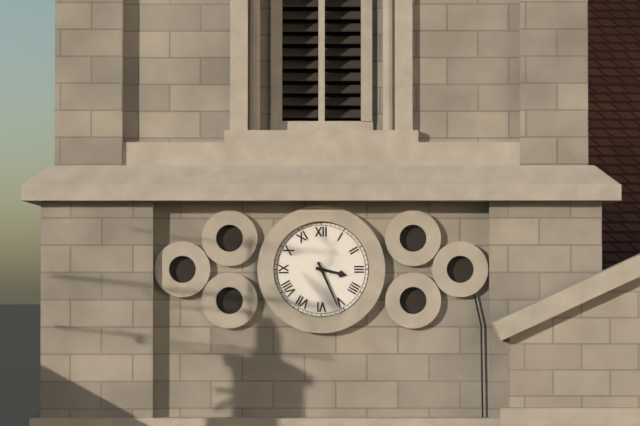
3h26
